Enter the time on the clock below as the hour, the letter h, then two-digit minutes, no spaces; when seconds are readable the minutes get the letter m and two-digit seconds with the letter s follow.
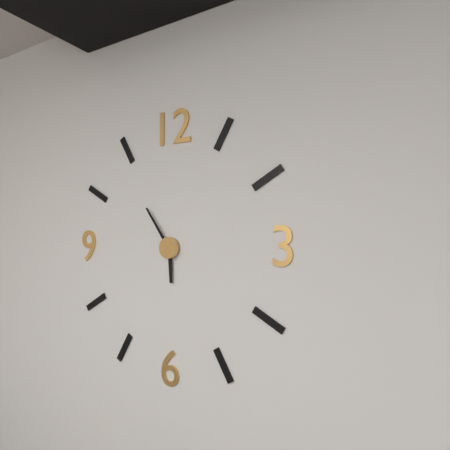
5h54
